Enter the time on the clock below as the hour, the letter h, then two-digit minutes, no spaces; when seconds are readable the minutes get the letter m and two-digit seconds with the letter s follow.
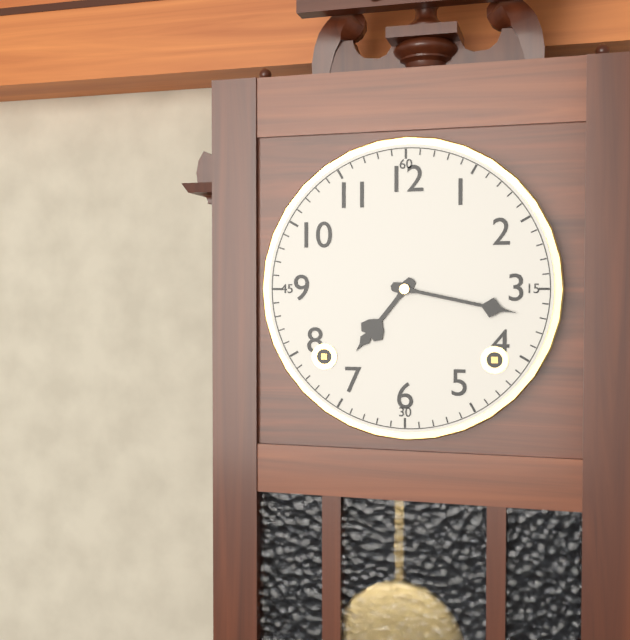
7h17
